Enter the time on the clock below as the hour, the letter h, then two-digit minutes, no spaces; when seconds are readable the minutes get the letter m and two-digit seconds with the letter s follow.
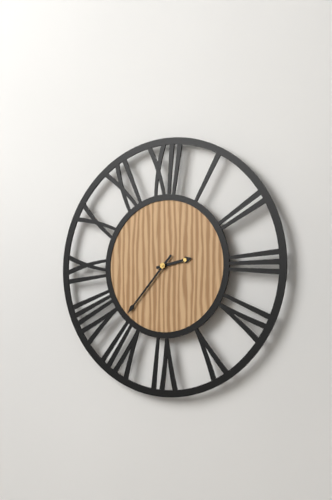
2h37
